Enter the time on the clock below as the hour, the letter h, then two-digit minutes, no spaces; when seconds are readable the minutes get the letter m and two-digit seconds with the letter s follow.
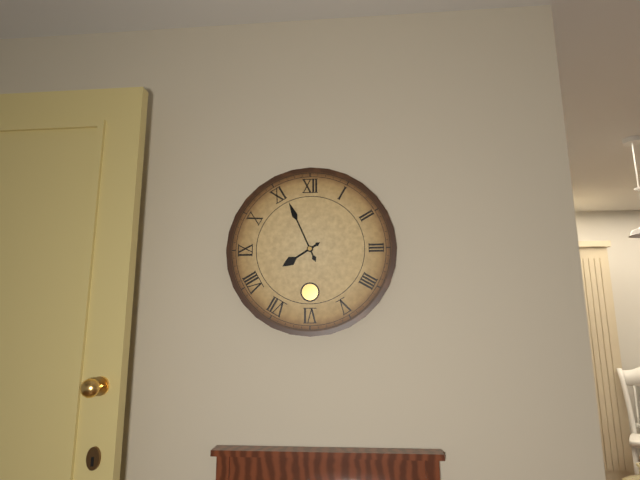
7h56
